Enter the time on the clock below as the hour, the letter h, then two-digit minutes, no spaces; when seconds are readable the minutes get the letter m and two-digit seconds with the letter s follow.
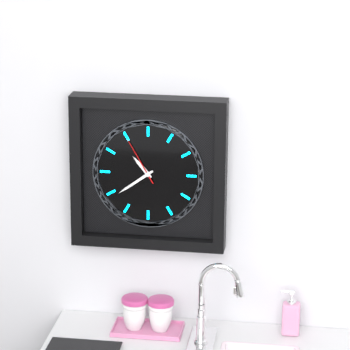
10h39m55s
